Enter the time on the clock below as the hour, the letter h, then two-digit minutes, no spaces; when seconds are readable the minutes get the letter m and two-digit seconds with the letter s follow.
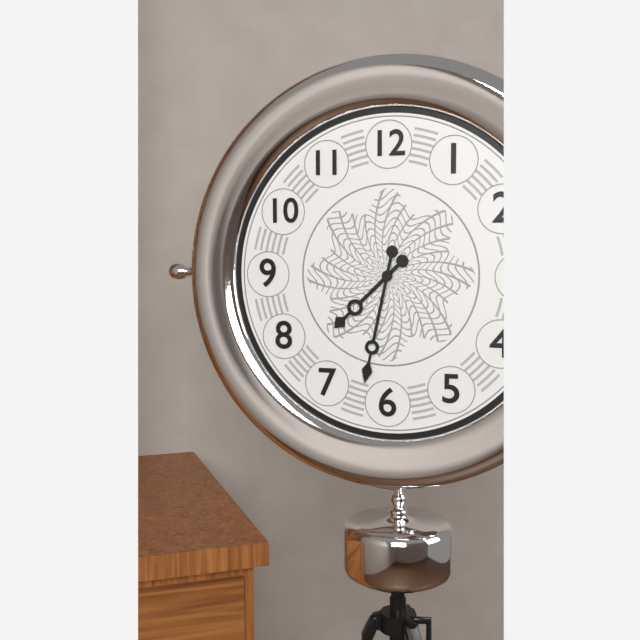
7h32
